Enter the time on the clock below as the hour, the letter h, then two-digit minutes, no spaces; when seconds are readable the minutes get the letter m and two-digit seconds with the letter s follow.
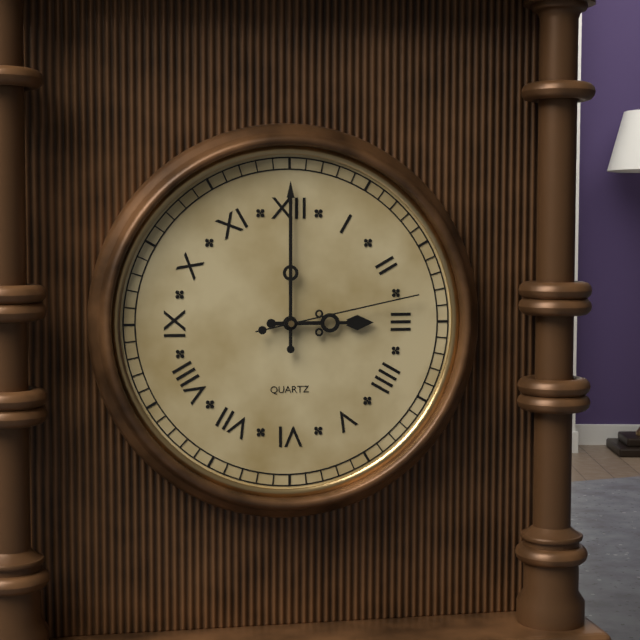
3h00m13s
